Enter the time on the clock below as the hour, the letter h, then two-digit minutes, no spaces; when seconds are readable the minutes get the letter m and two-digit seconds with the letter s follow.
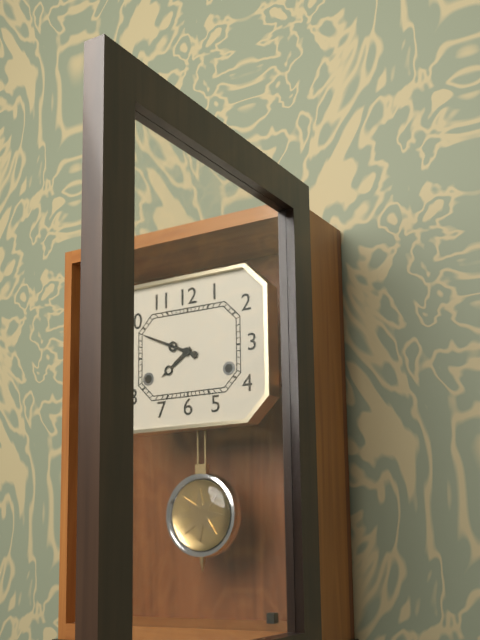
7h49
